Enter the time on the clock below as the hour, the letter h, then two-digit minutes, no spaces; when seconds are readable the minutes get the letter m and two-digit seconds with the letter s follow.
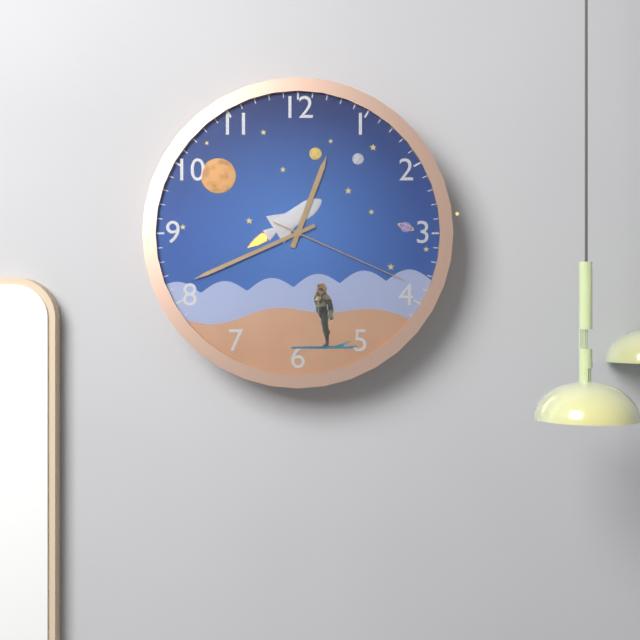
12h41m19s
